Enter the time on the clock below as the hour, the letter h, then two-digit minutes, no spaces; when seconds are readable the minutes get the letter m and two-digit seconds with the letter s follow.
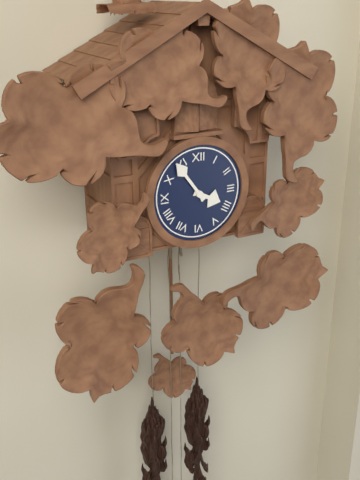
3h54
